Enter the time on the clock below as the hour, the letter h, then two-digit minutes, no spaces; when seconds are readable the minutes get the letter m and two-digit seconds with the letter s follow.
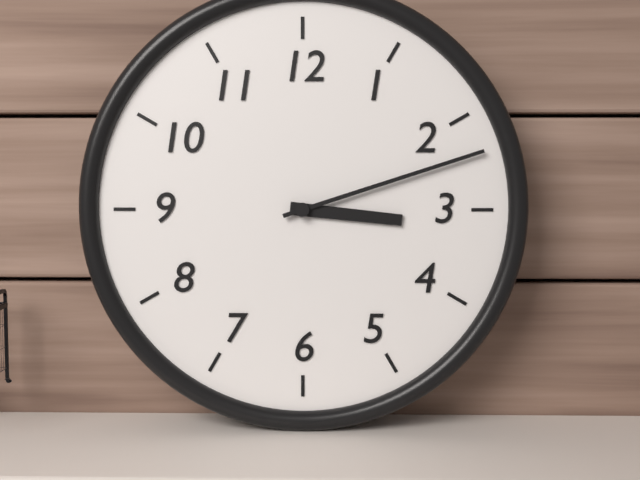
3h12
